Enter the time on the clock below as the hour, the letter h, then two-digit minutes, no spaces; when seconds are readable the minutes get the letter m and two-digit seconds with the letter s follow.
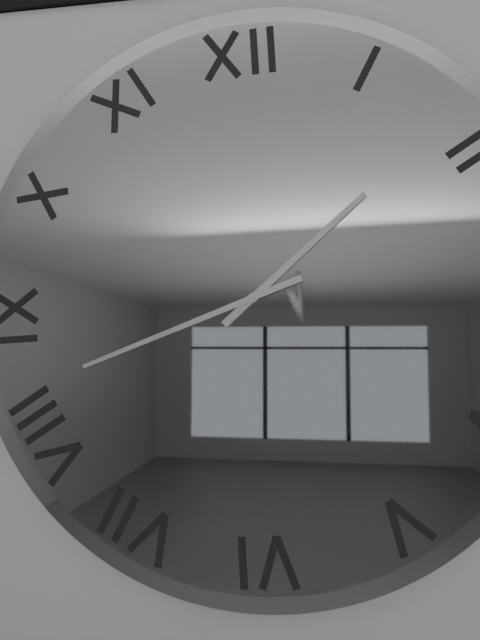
1h42
